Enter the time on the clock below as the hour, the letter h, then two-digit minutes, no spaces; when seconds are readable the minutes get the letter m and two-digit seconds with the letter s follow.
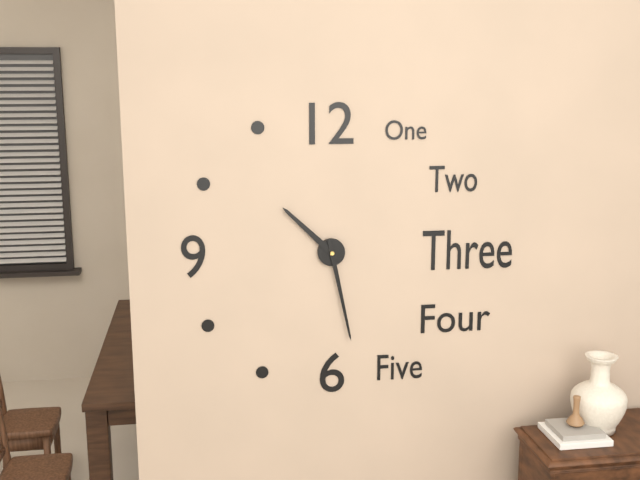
10h28
